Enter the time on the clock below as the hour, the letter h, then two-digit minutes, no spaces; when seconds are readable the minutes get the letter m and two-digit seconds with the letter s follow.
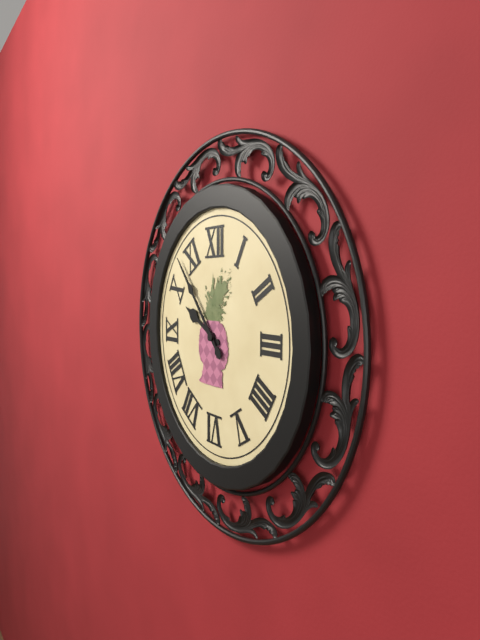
9h53
